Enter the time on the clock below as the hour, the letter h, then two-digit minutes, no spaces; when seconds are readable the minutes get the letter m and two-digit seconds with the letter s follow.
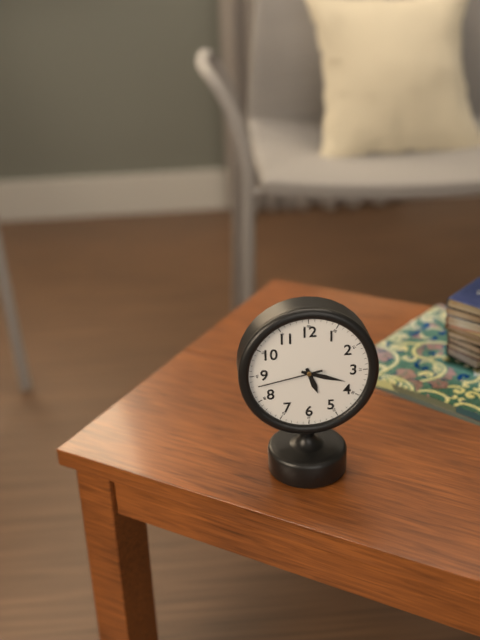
5h18m43s
